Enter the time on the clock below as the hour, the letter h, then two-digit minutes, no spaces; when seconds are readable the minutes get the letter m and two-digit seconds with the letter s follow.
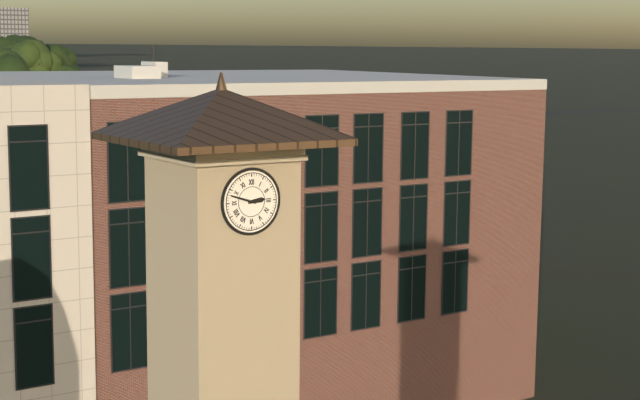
2h48
